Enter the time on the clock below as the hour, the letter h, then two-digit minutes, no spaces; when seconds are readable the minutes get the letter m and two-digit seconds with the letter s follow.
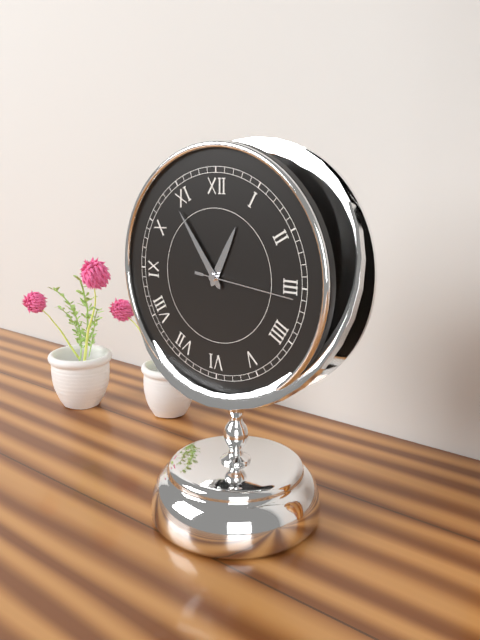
12h54m16s
